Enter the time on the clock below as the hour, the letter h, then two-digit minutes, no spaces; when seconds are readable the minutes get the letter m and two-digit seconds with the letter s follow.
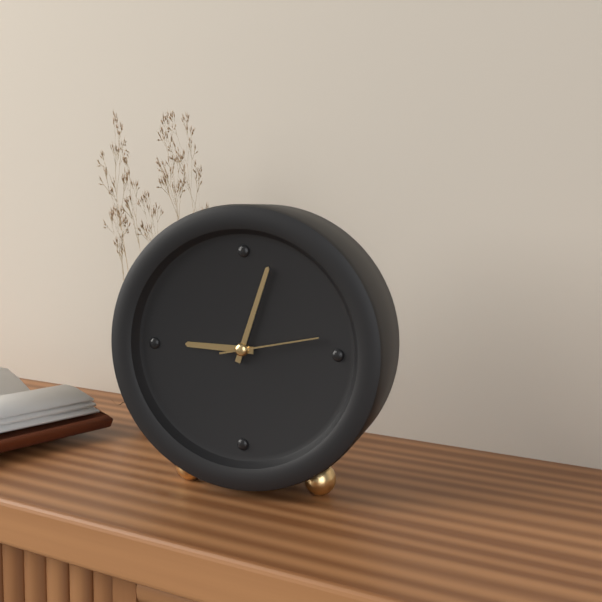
9h03m13s
